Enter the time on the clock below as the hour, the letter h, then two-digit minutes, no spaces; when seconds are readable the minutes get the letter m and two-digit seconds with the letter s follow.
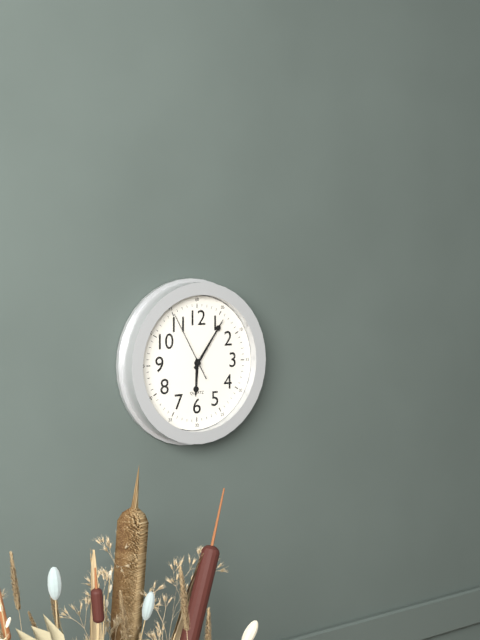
6h06m55s
